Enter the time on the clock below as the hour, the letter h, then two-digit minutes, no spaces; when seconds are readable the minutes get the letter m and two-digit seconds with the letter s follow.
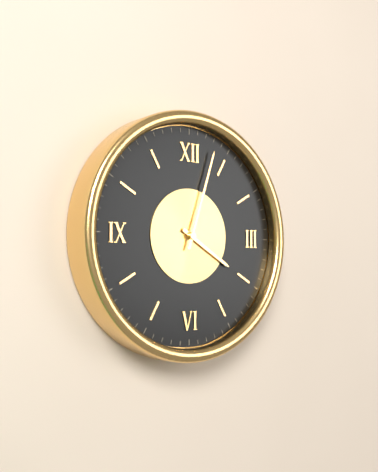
4h03
